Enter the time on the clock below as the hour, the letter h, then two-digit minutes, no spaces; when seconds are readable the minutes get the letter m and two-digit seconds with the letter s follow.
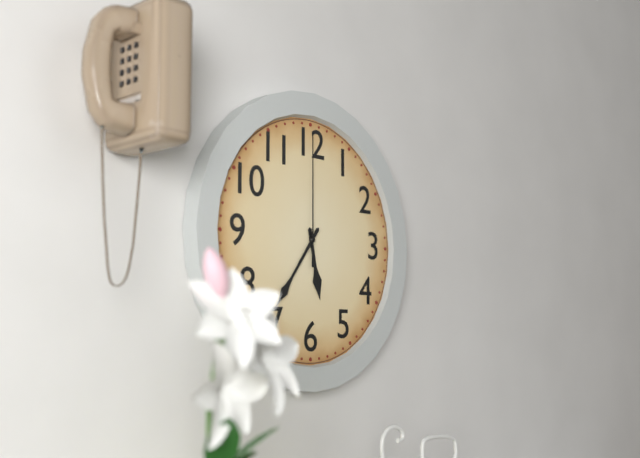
5h36m00s
